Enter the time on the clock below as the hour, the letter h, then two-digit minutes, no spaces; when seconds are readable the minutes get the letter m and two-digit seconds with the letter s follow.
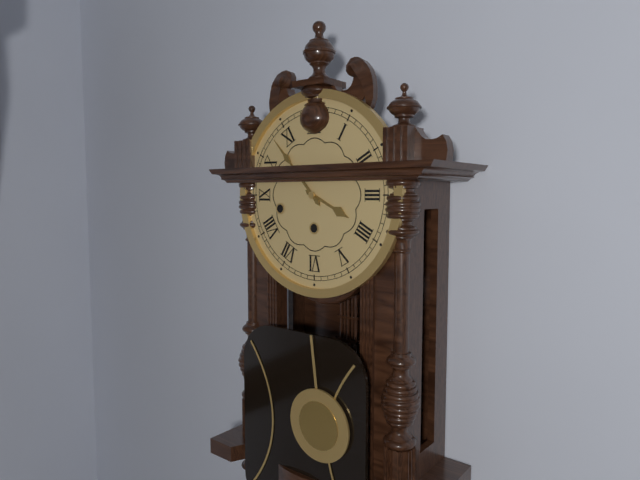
3h53
